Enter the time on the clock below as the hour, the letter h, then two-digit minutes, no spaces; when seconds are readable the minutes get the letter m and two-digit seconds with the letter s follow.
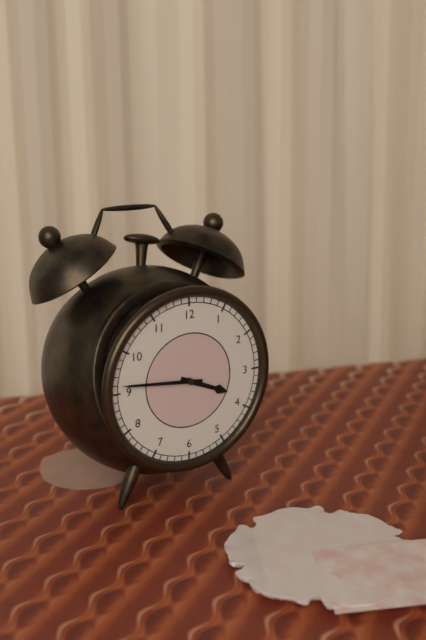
3h46
